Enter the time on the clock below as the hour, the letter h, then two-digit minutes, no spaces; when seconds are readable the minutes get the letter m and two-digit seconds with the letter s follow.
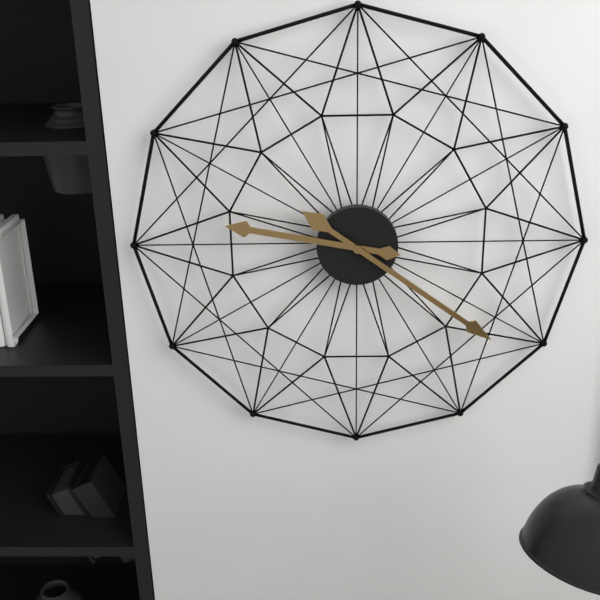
9h21
